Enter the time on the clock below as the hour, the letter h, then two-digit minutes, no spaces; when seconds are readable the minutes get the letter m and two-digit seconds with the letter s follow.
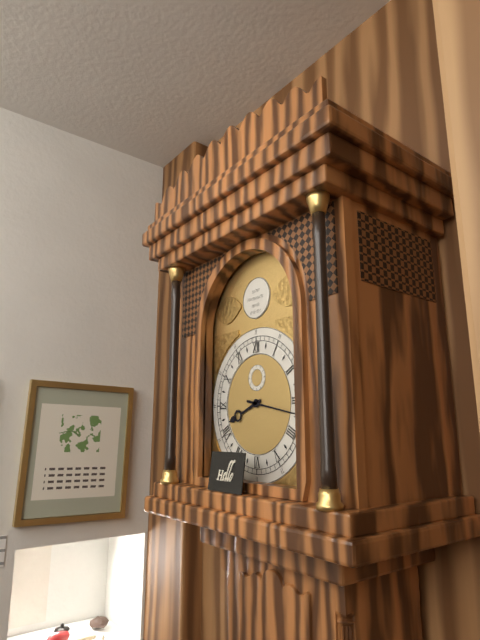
8h17
